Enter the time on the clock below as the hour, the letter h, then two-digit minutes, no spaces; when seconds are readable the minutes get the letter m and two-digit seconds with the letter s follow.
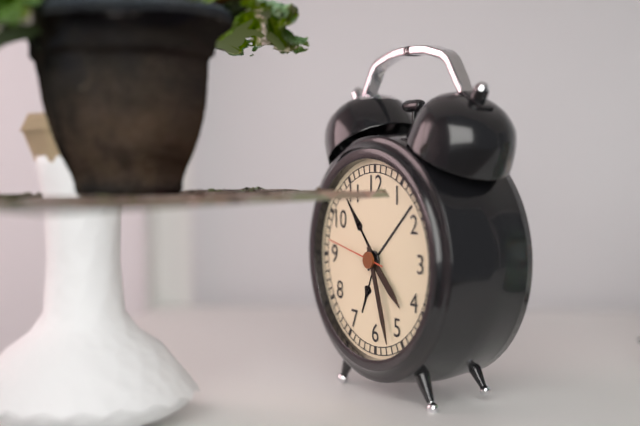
4h27m47s
